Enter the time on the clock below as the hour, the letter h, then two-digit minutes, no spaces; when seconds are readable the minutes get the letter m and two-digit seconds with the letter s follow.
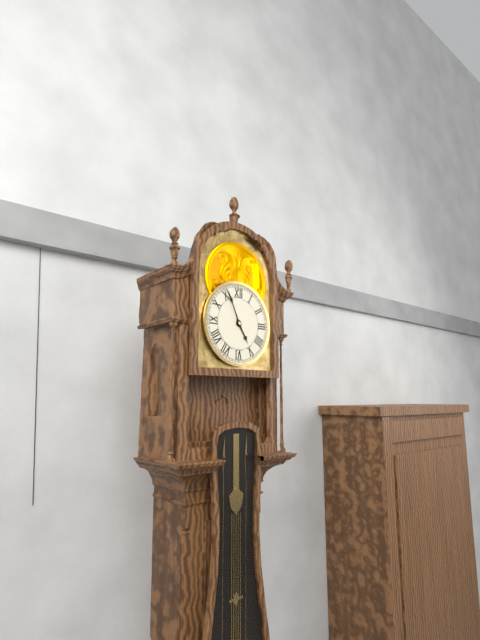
4h56
